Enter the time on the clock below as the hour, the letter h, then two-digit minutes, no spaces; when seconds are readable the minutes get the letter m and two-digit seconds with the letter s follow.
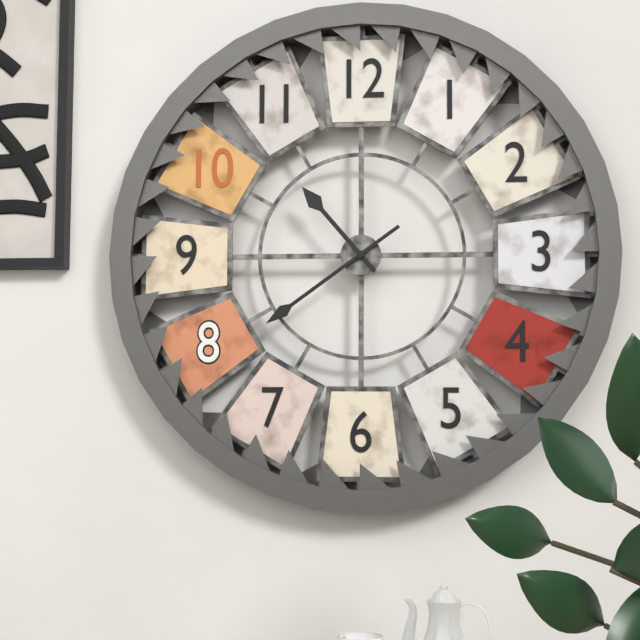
10h39
